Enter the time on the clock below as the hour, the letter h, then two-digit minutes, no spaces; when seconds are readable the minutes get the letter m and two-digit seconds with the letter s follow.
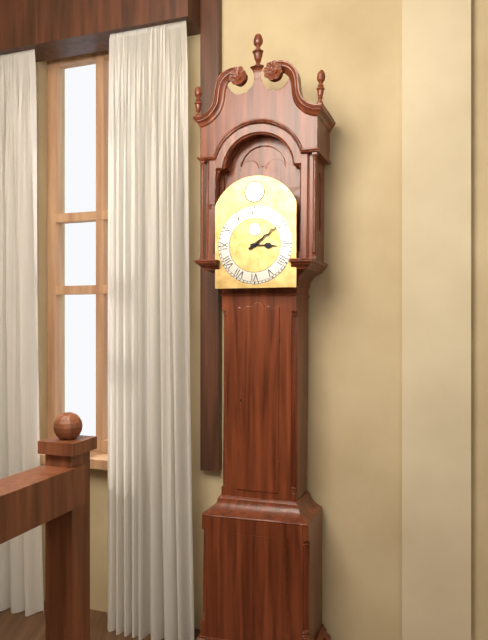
3h09
